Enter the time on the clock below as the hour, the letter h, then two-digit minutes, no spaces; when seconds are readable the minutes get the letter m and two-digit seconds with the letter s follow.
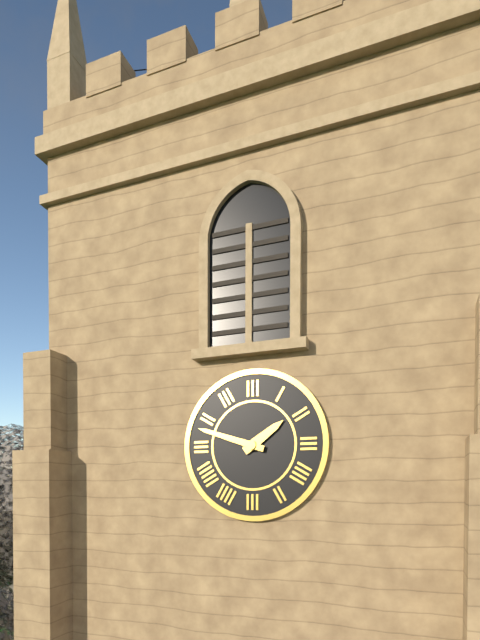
1h48
